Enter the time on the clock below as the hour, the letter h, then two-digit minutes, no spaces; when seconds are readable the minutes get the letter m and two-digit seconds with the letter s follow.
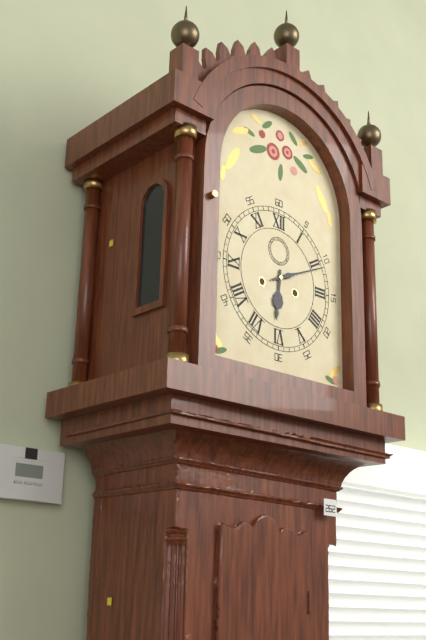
6h11
